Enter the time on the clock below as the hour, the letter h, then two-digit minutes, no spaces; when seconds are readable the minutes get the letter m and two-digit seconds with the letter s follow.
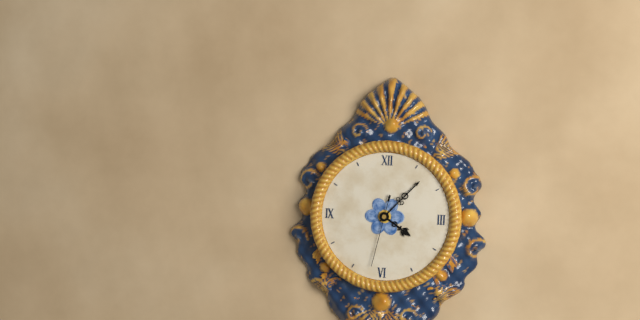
4h07m32s
